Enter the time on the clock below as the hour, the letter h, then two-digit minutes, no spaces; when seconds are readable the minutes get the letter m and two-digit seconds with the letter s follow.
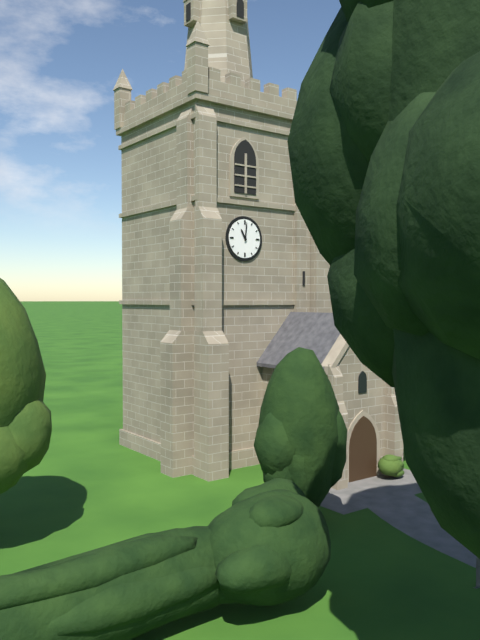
11h01
